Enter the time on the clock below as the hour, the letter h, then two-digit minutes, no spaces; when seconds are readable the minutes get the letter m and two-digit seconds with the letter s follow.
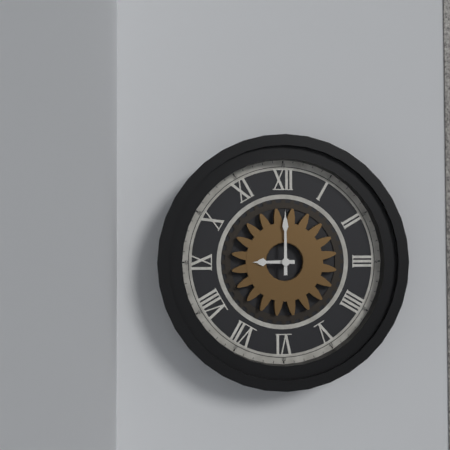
9h00
